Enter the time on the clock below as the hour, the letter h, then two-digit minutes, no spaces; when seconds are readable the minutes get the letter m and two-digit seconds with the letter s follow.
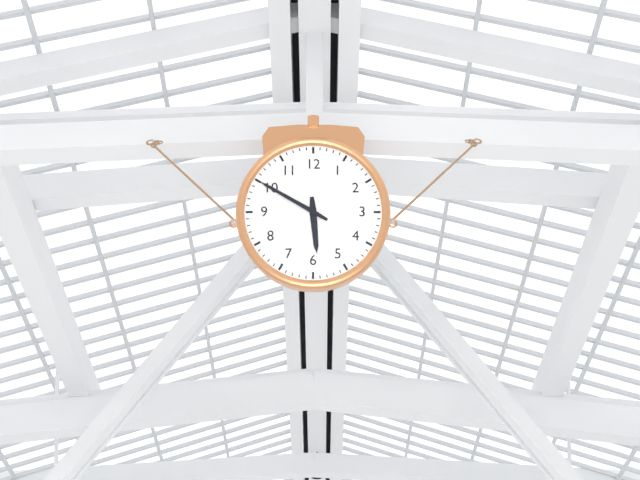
5h50
